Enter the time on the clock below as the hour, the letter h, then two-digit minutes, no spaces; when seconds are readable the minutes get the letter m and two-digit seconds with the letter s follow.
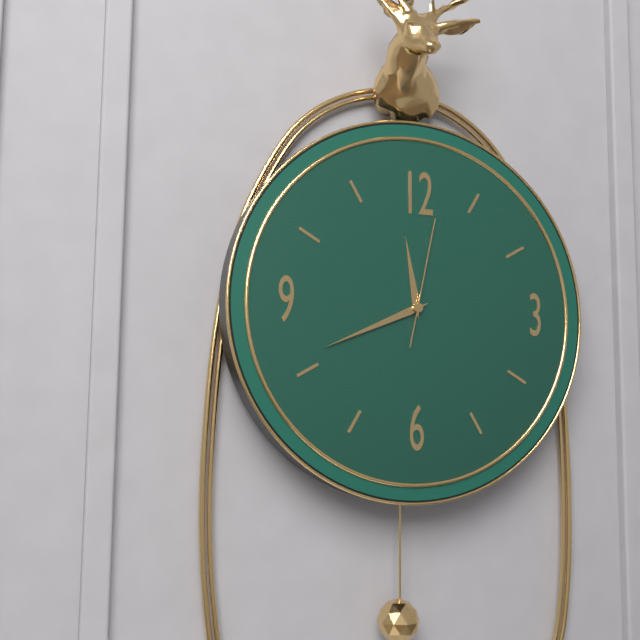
11h41m02s
